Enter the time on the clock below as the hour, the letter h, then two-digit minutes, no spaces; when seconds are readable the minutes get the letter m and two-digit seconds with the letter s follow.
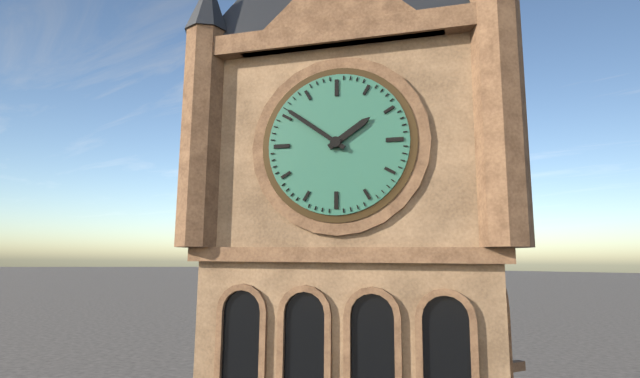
1h51
